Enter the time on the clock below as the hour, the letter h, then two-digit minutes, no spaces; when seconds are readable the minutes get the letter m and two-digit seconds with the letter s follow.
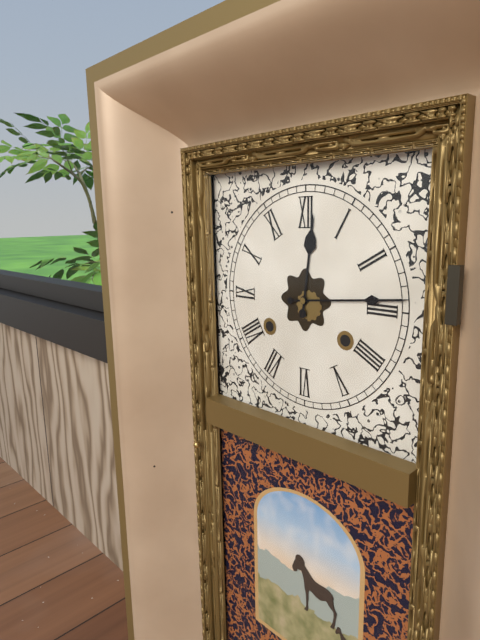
12h14
